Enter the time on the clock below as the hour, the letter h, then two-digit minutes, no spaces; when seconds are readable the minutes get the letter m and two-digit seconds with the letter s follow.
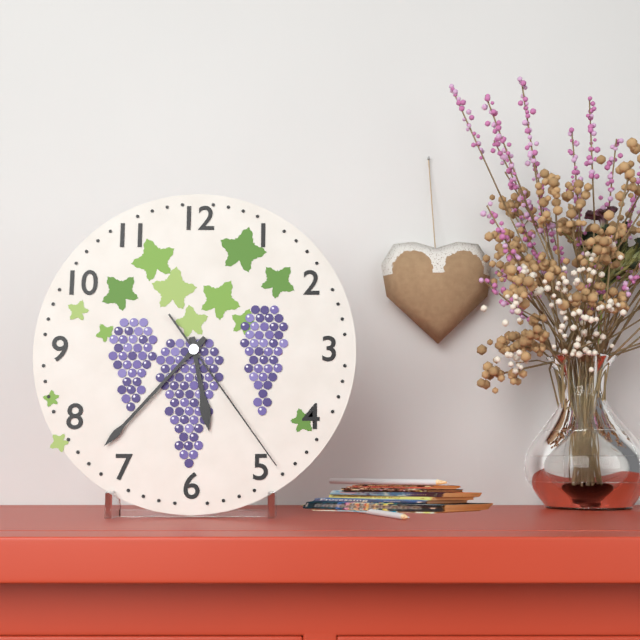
5h37m24s
